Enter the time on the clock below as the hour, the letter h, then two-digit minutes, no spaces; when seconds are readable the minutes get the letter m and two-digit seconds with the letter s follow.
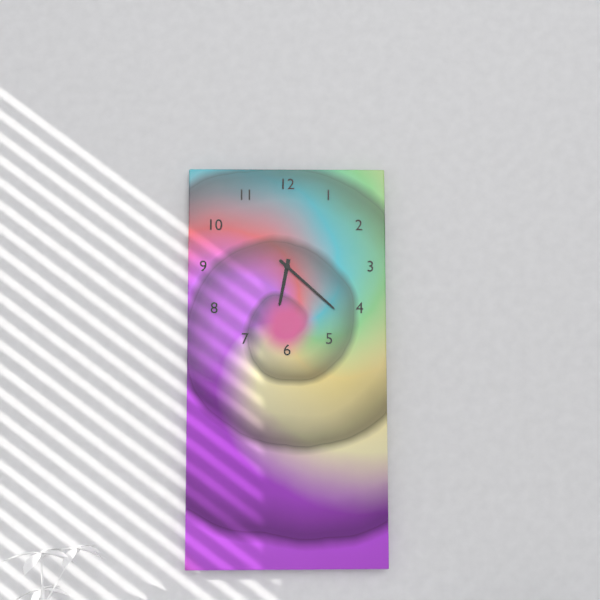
6h22
